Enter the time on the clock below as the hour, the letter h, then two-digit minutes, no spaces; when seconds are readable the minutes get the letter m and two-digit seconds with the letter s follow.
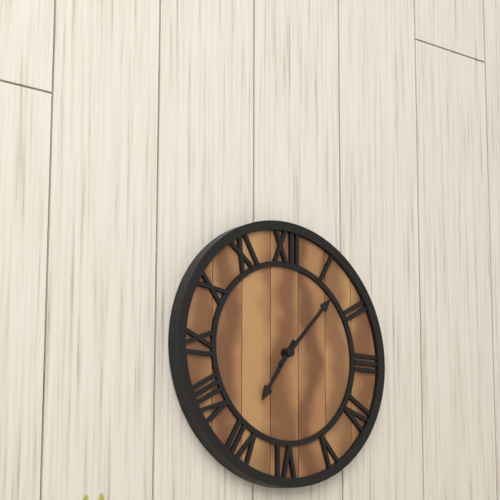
7h07
